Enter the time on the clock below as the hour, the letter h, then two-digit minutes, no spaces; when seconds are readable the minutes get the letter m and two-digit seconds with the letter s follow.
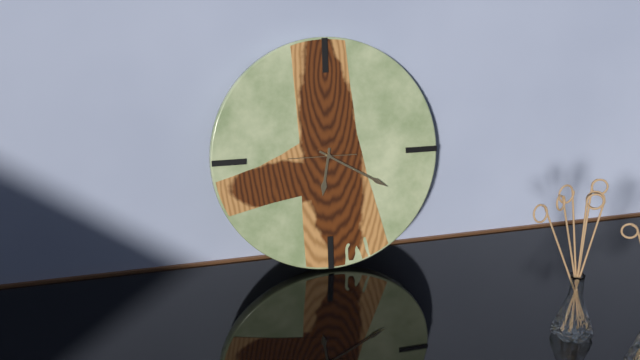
6h20
